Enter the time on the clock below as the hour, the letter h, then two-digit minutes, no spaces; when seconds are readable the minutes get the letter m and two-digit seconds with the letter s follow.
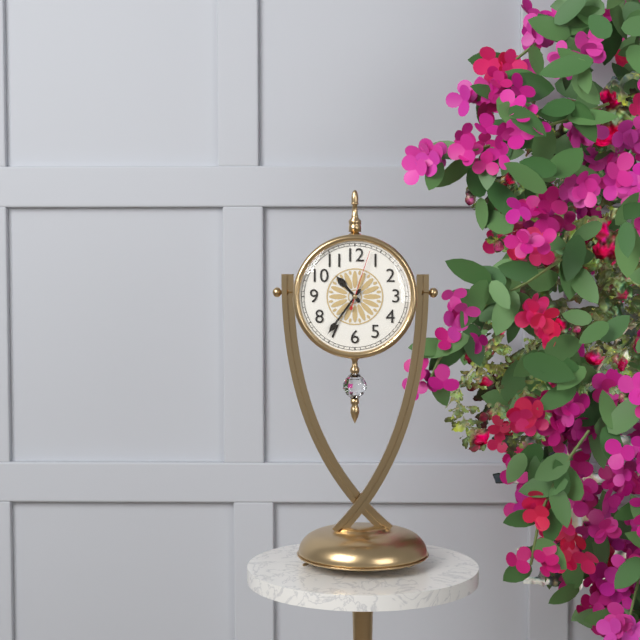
10h36m03s
